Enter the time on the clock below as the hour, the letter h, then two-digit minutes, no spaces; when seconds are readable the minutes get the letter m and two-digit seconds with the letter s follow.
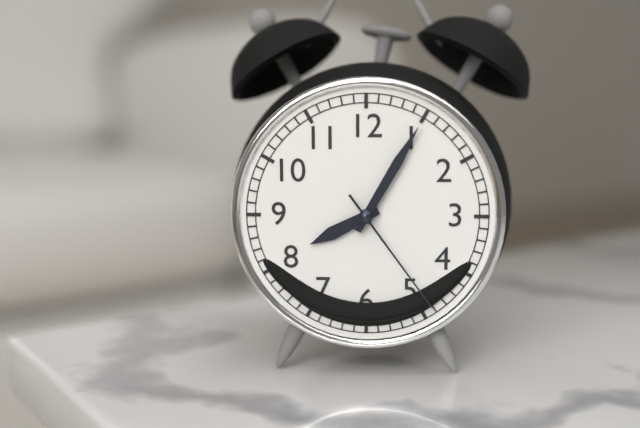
8h05m24s
